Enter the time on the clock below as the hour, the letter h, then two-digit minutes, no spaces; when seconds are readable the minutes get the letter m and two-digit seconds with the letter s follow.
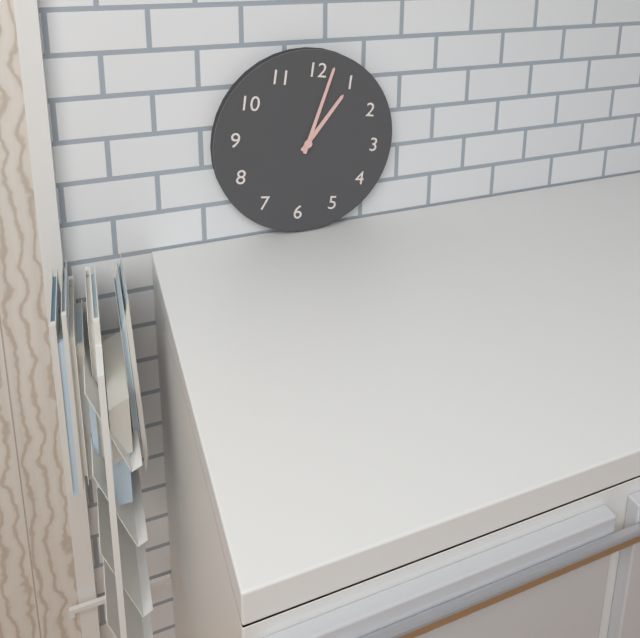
1h02
